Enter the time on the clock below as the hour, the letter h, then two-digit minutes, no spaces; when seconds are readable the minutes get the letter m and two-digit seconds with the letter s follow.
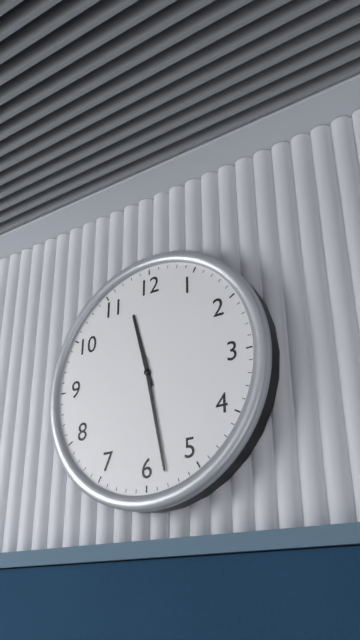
11h28
